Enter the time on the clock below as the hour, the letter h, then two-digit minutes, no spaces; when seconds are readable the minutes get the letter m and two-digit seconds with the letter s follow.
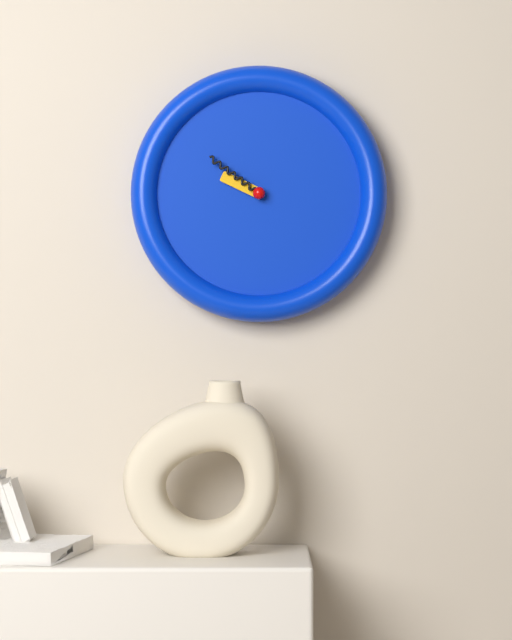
9h51
